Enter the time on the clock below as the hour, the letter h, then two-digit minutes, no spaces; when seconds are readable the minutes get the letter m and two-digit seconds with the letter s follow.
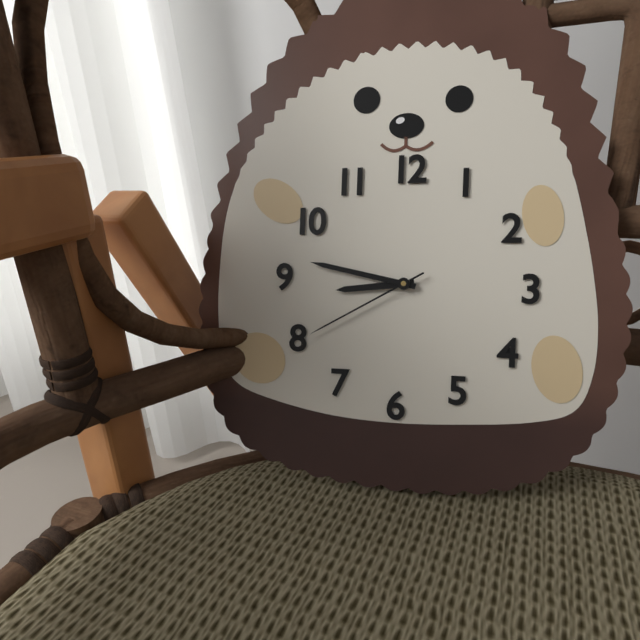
8h47m40s
